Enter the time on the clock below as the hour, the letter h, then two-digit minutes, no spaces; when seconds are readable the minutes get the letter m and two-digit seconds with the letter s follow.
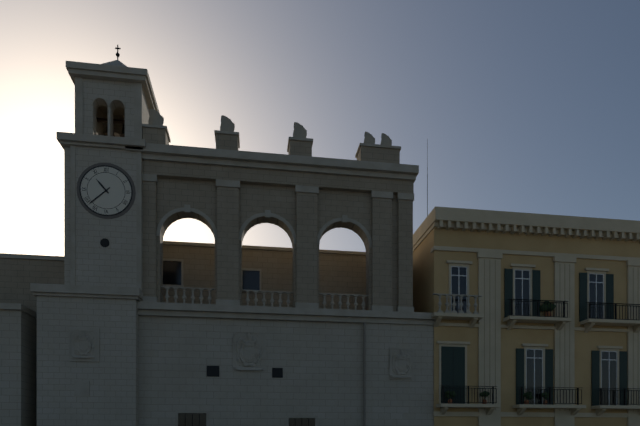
10h38
